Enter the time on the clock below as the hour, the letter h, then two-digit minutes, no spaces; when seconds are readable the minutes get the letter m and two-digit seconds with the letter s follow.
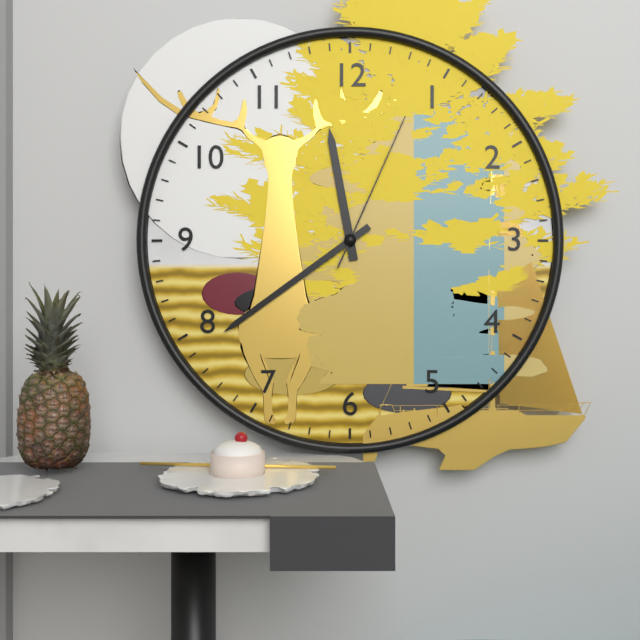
11h39m04s
